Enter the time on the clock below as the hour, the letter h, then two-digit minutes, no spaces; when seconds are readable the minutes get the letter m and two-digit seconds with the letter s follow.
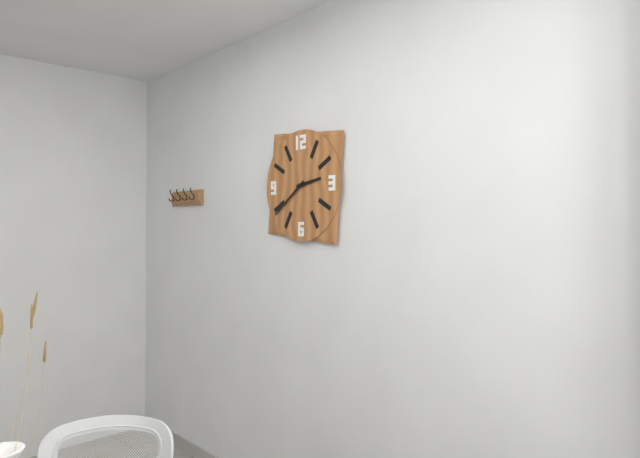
2h39
